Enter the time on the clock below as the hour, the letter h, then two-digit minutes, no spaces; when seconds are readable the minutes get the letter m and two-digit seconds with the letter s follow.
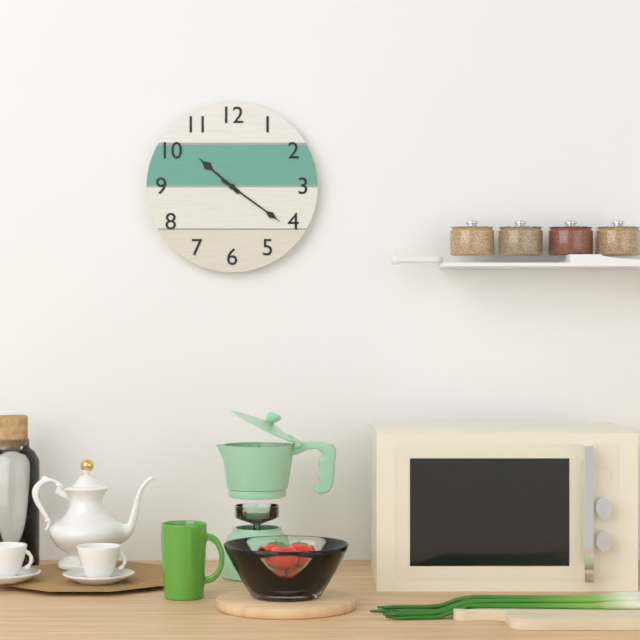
10h21
